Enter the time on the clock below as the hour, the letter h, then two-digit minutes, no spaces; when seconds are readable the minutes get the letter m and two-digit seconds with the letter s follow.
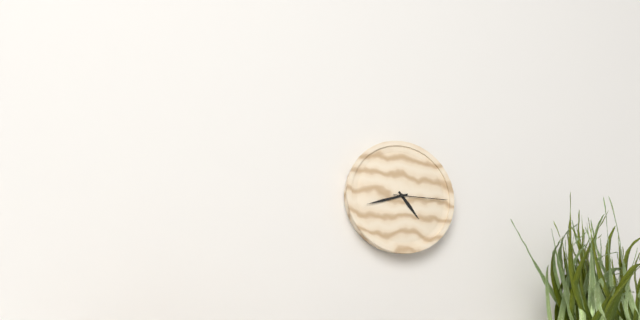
4h42m15s
